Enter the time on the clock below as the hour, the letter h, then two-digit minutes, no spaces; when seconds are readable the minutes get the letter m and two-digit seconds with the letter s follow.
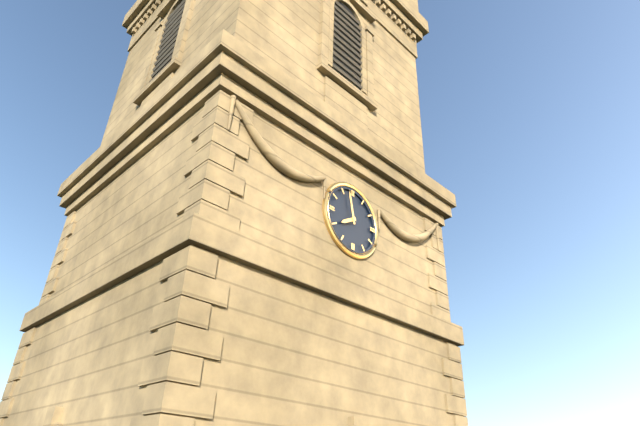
7h58
